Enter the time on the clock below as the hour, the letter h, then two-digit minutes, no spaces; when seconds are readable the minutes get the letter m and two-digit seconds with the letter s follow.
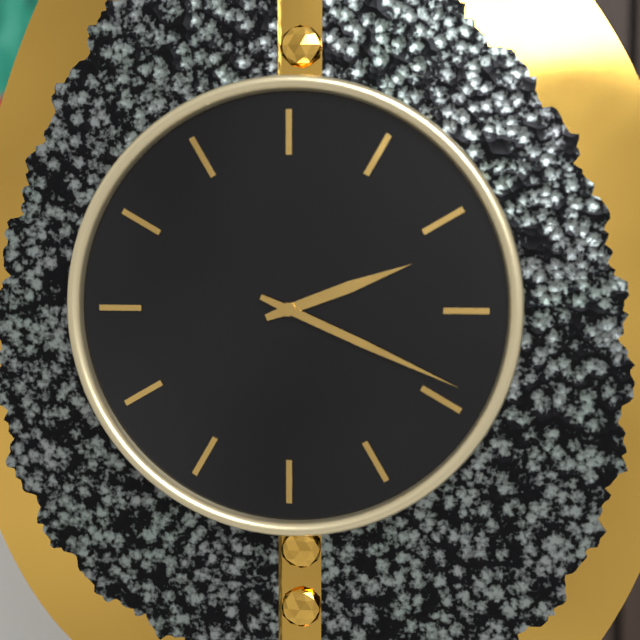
2h19
